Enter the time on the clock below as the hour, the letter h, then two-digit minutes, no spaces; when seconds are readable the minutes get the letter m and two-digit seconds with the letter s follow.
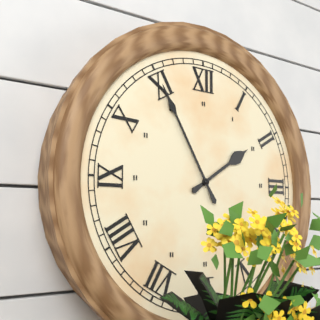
1h55
